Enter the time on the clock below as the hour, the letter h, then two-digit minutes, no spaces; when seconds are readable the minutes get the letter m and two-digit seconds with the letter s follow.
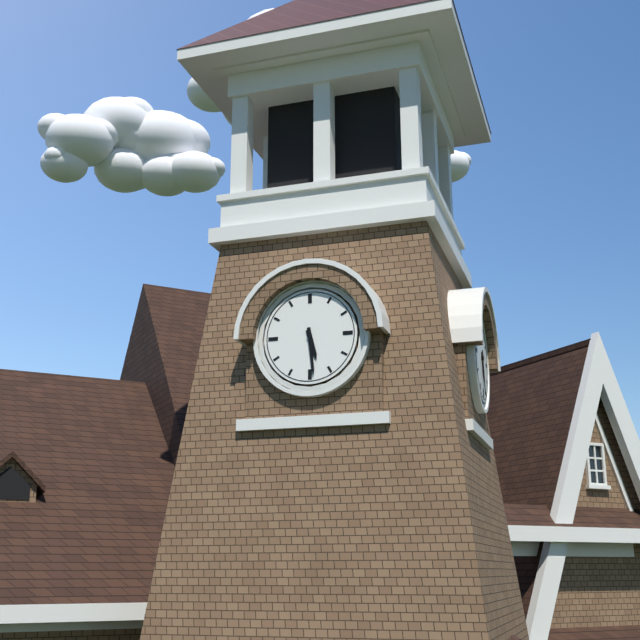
5h29
